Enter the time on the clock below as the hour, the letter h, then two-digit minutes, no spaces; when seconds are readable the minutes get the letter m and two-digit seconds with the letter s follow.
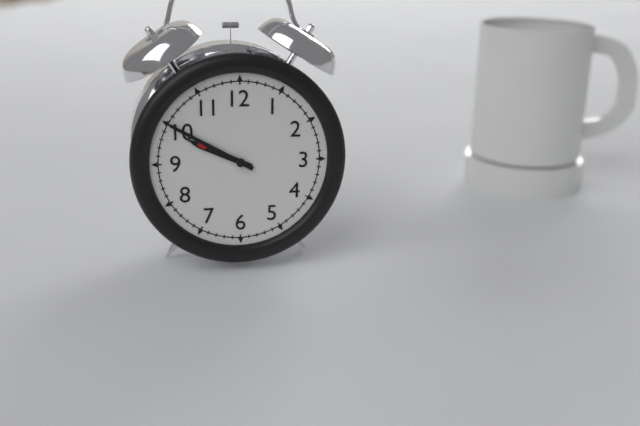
9h50
